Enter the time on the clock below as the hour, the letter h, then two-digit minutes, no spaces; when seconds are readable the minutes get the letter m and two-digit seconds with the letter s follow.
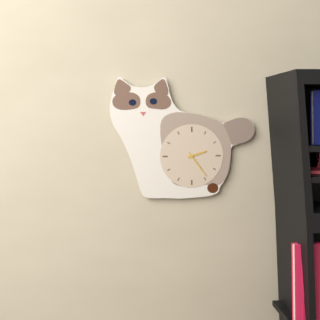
2h24
